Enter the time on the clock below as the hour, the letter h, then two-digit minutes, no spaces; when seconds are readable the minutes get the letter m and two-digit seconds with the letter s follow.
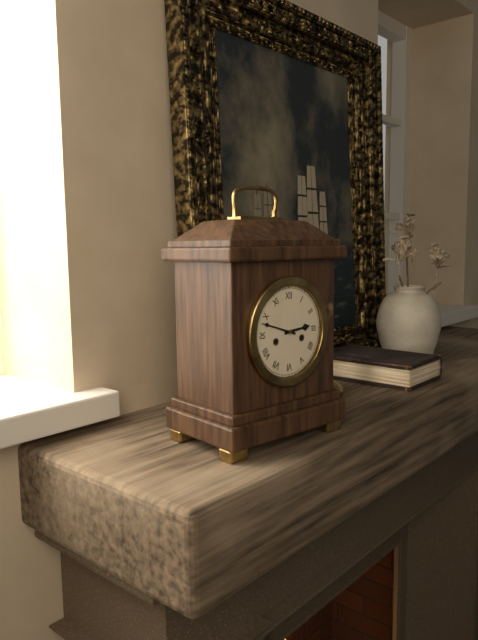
2h48
